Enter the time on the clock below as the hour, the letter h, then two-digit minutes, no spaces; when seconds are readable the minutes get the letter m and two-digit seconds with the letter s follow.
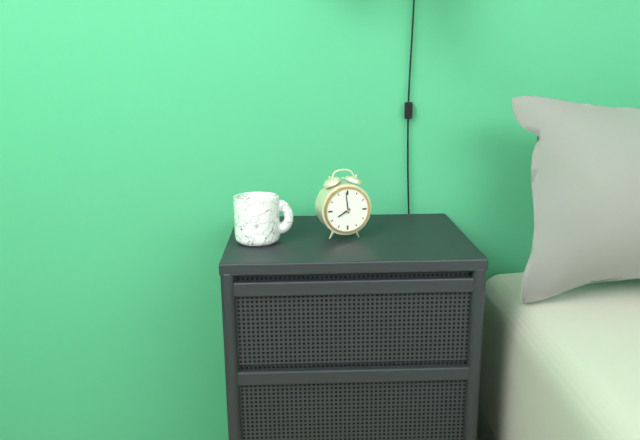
7h59
